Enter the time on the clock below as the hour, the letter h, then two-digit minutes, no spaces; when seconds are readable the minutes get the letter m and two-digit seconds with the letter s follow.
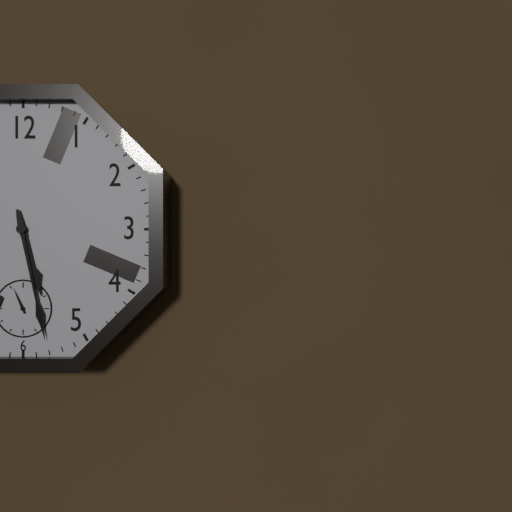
5h28
